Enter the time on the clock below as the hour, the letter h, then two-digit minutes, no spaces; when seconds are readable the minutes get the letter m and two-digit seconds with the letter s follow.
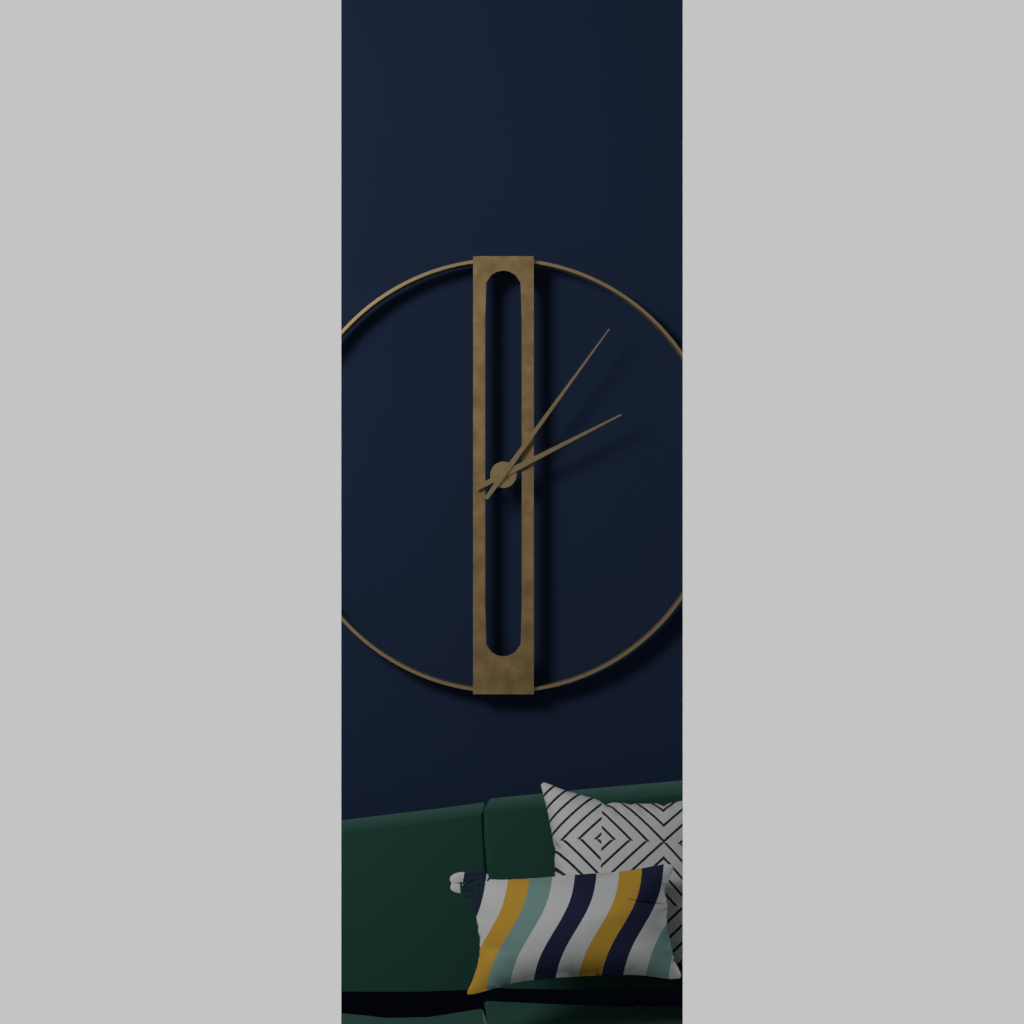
2h06
